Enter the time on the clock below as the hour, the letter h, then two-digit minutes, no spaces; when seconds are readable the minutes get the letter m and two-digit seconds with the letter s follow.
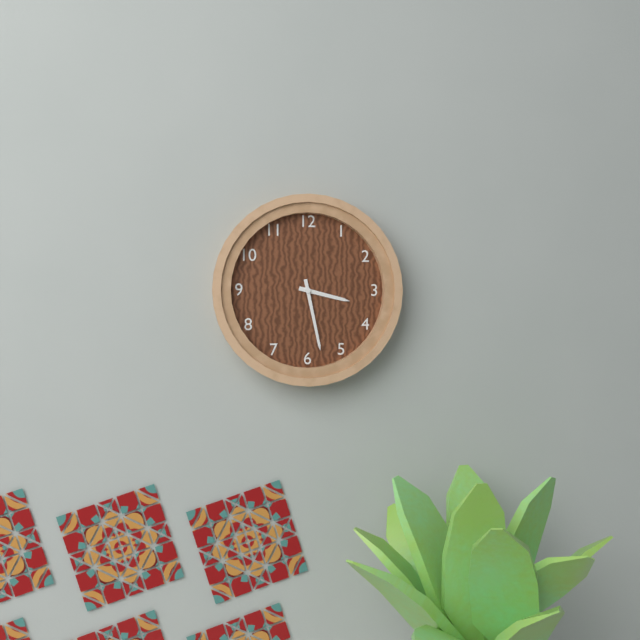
3h28
